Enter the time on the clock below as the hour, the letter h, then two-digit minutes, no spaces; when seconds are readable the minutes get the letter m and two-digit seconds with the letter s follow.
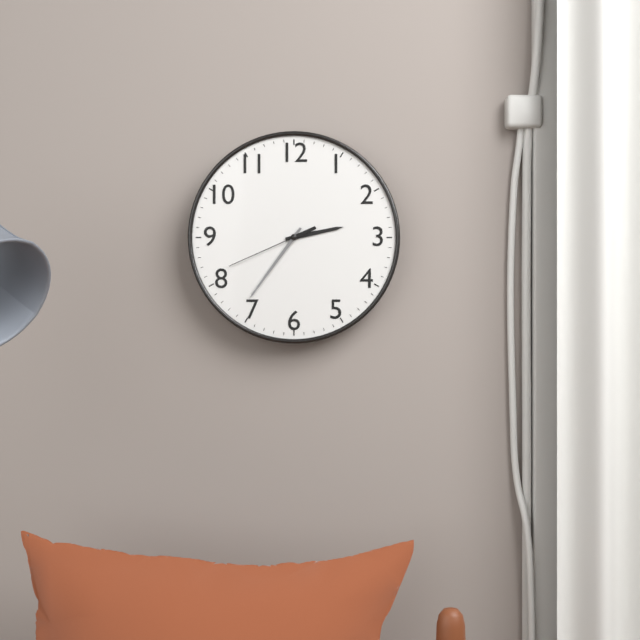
2h36m41s
